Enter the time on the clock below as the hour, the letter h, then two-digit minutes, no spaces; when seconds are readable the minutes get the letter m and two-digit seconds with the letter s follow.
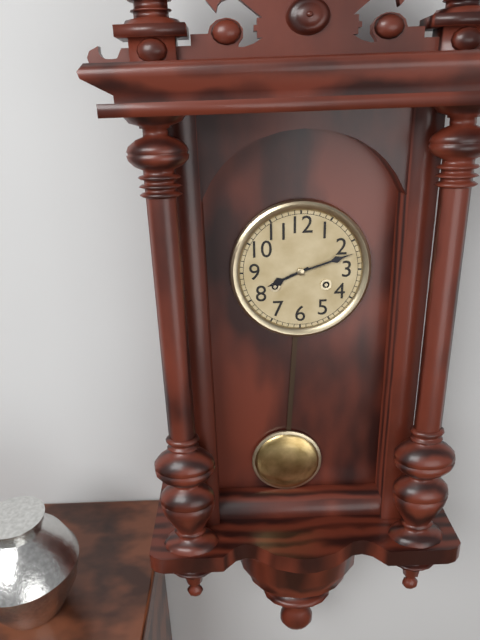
8h12
